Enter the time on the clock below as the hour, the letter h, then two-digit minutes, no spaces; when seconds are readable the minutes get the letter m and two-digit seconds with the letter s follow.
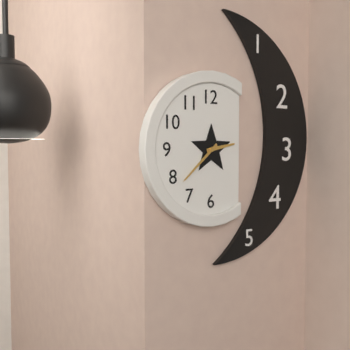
2h38
